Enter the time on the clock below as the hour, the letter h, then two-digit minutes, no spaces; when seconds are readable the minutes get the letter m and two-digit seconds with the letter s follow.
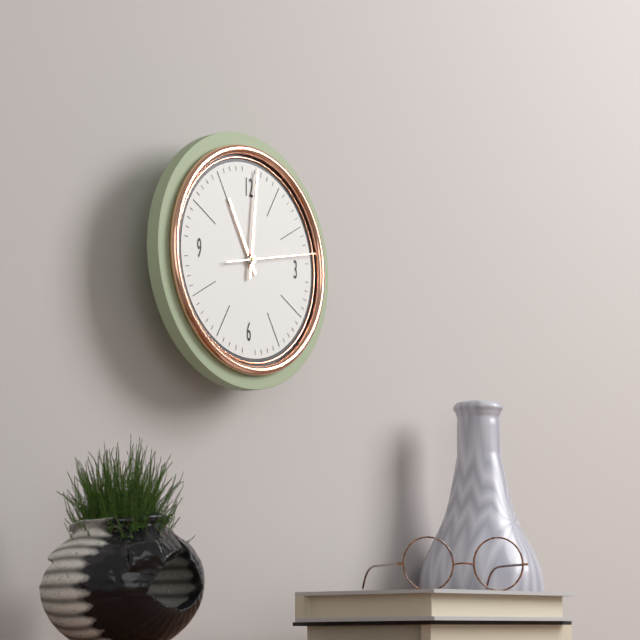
11h01m13s
